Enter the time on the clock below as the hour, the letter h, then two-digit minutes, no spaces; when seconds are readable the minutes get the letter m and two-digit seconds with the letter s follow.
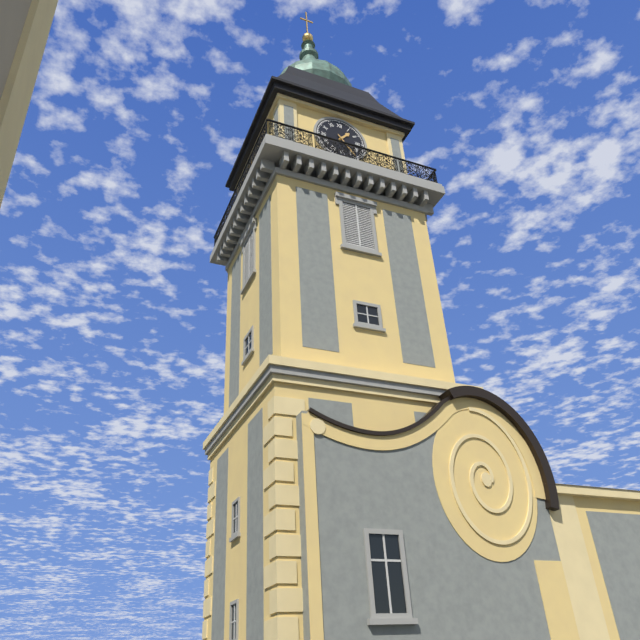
1h24
